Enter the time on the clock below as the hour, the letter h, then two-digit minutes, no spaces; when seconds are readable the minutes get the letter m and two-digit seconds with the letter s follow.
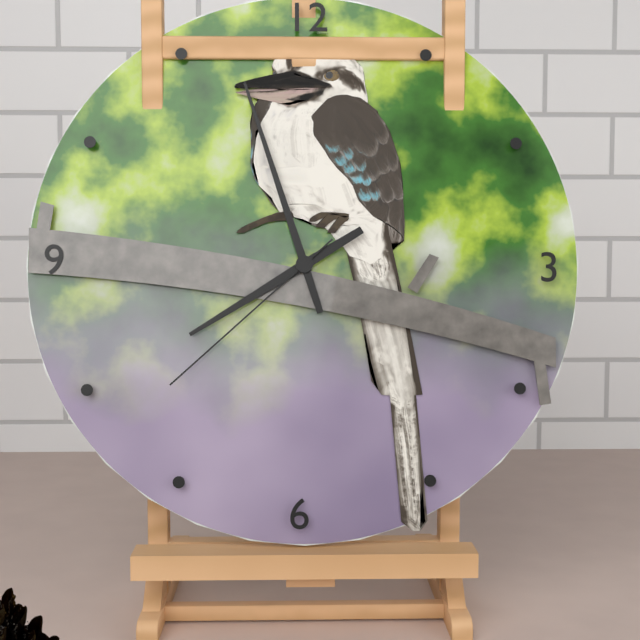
7h57m38s
